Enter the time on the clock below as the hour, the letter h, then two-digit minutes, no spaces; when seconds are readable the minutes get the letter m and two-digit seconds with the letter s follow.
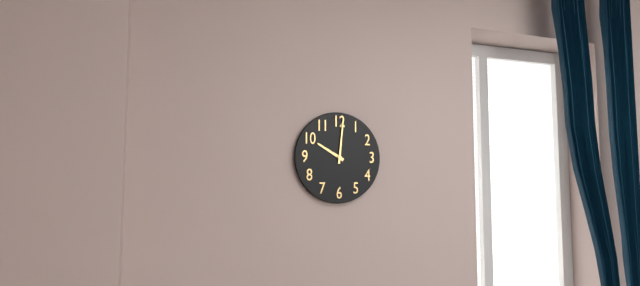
10h01
